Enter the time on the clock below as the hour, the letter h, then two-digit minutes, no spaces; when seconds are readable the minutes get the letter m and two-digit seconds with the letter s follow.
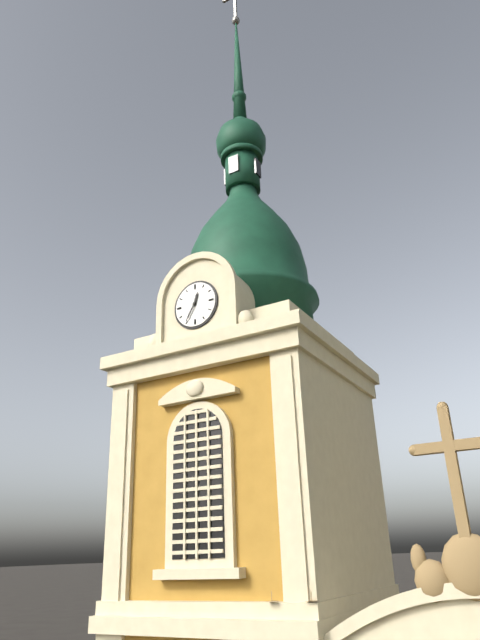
12h35
